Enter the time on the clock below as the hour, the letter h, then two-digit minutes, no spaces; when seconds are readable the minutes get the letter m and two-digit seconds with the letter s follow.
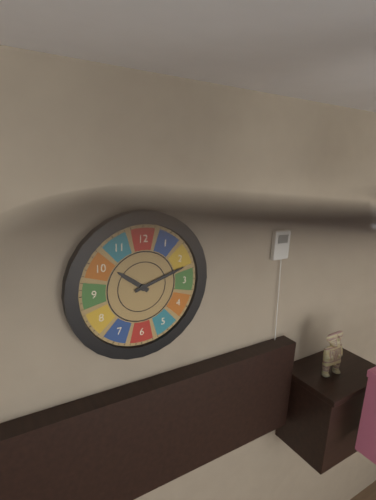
10h12
